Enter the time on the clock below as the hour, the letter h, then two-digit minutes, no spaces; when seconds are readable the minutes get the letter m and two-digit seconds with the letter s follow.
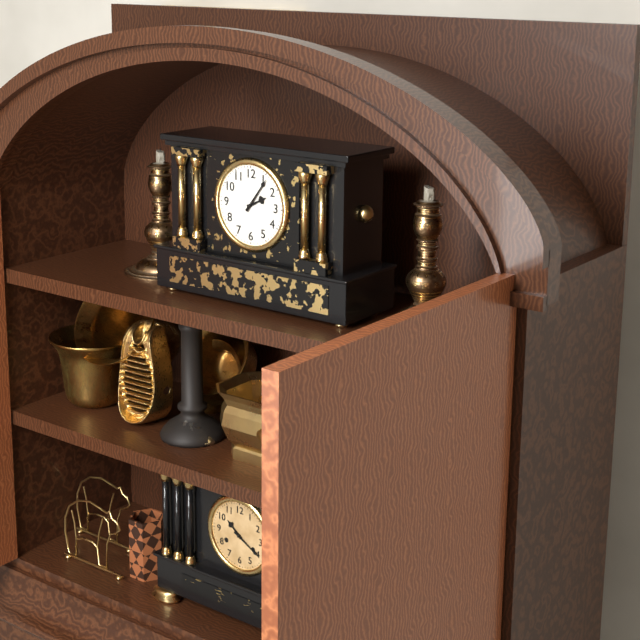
2h06
